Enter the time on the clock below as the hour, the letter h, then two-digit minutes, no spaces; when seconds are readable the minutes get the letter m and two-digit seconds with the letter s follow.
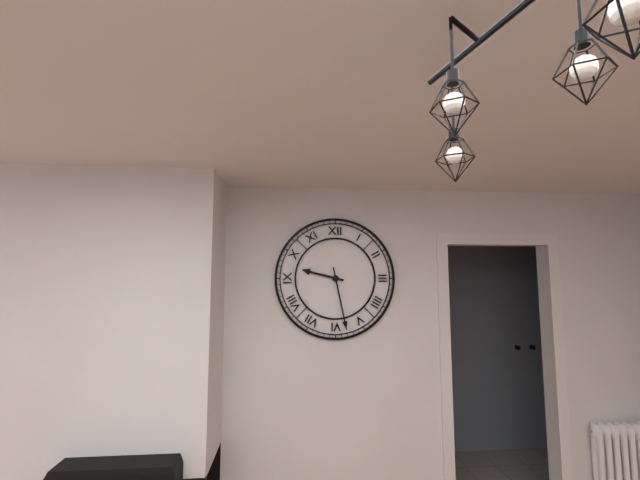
9h28
